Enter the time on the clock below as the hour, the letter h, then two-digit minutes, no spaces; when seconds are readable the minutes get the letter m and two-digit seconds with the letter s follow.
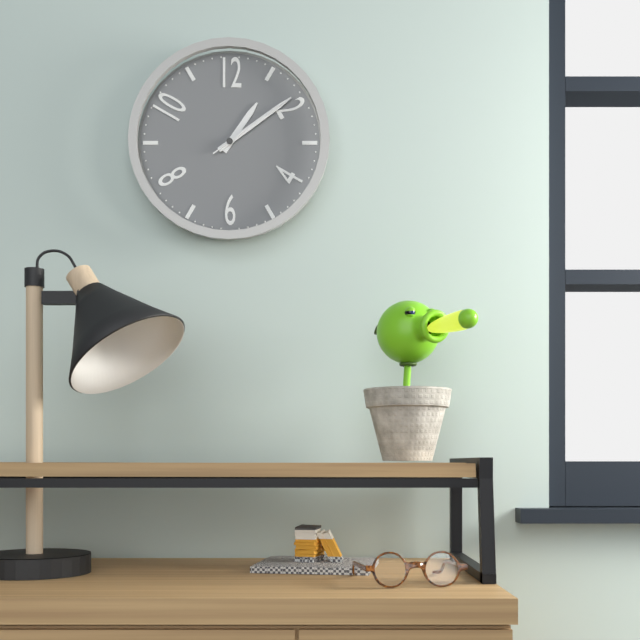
1h09m09s
